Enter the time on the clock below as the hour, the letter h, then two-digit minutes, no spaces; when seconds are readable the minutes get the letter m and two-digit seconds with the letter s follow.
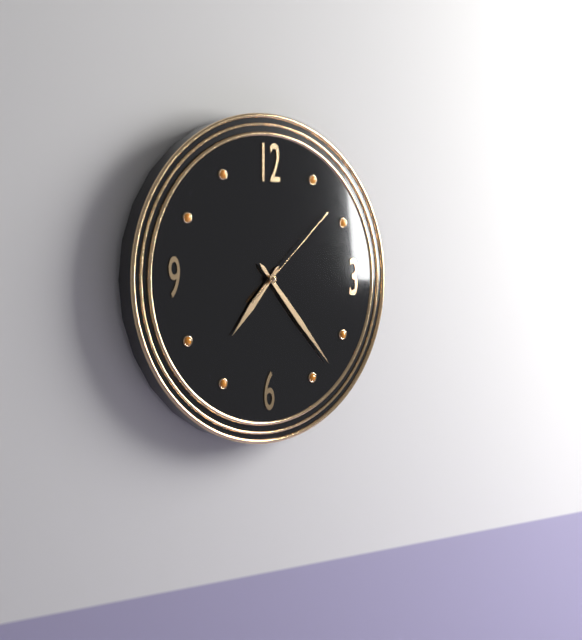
7h23m08s
